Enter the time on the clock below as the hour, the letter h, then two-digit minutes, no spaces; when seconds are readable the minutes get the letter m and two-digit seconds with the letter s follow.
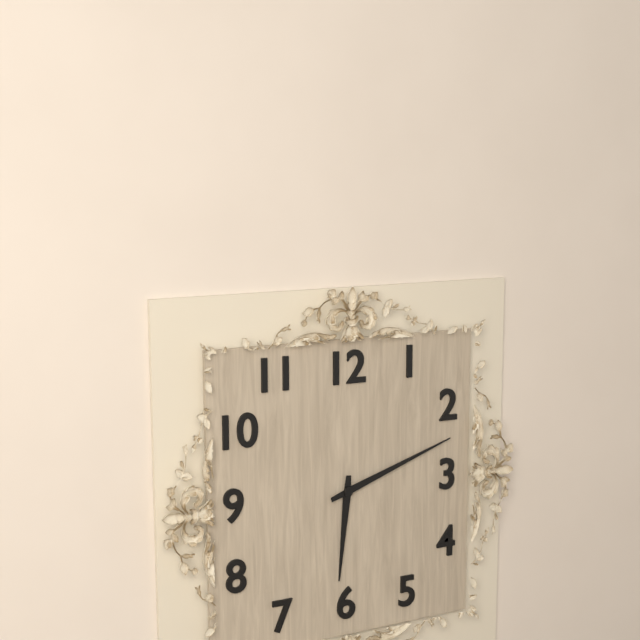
6h12
